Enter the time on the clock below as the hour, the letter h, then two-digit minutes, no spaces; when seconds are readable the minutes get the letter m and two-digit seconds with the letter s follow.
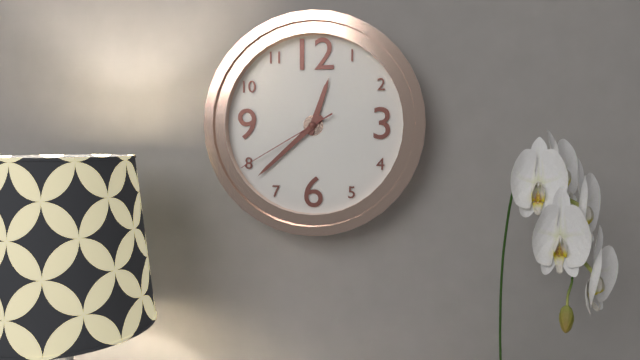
12h38m40s
